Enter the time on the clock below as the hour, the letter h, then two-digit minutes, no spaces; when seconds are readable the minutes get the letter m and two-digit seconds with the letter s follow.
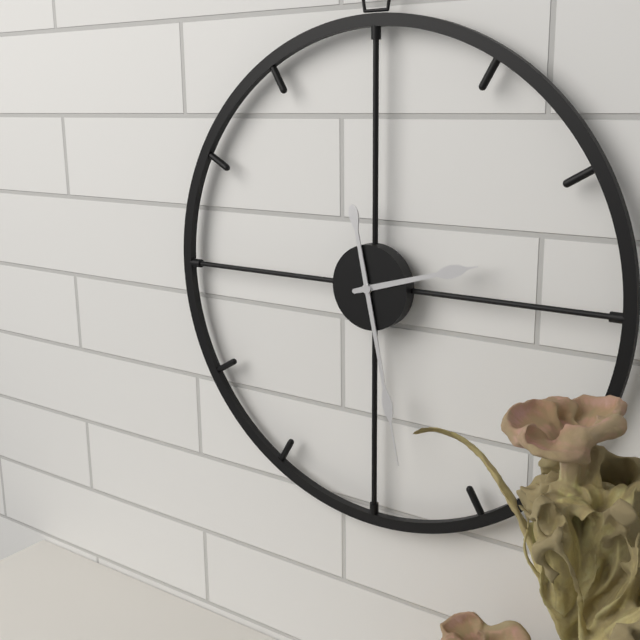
2h28
